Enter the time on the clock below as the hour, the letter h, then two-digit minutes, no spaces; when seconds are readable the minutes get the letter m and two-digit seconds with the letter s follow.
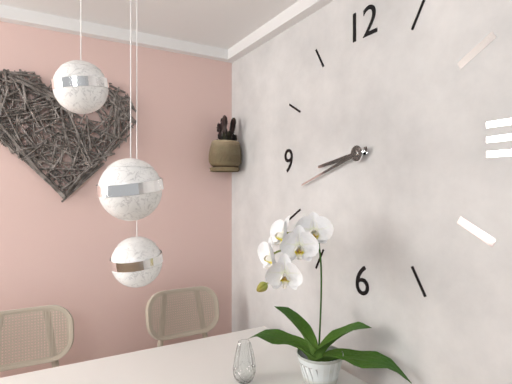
8h42
